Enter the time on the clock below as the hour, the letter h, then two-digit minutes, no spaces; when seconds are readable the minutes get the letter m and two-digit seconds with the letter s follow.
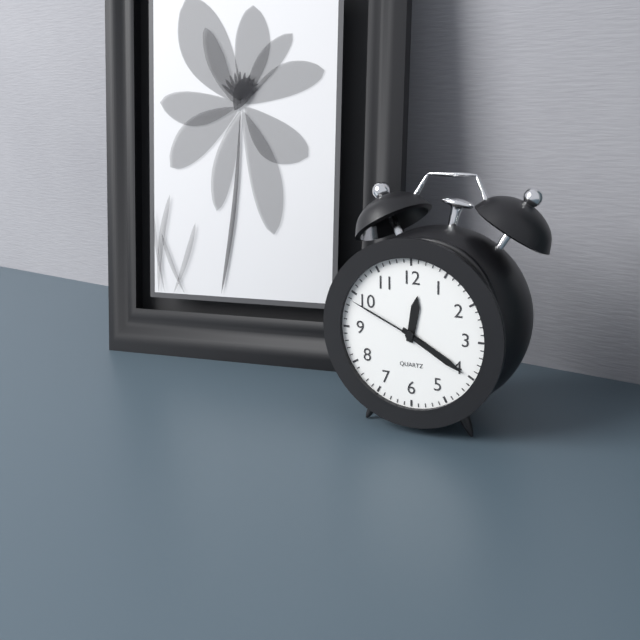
12h20m49s
